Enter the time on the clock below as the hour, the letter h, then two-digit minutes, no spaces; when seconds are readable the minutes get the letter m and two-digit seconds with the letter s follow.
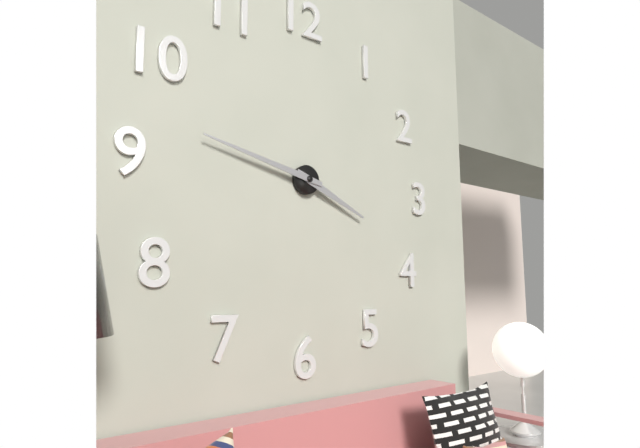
3h47
